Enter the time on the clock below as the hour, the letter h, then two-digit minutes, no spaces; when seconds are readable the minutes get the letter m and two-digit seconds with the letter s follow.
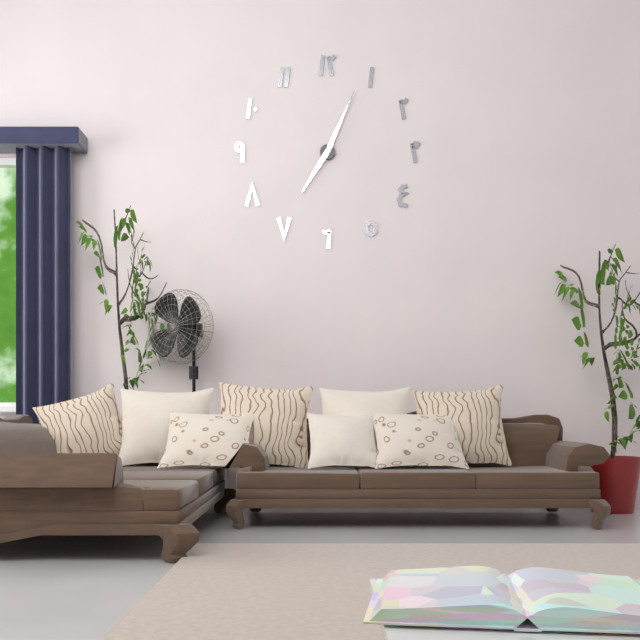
7h04
